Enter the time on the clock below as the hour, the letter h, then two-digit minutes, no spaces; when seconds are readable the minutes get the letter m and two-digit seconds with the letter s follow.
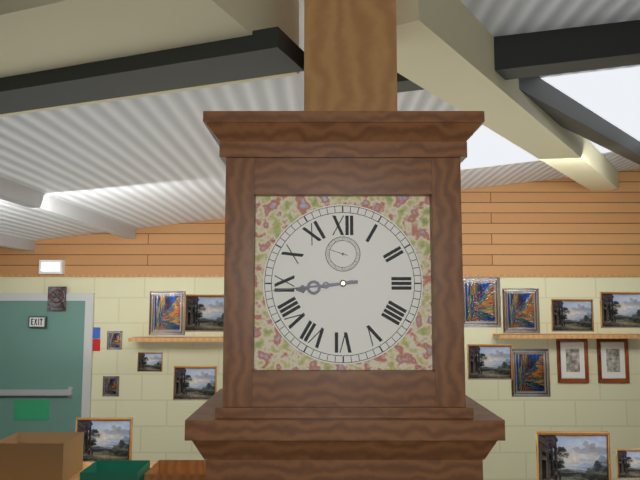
8h44
